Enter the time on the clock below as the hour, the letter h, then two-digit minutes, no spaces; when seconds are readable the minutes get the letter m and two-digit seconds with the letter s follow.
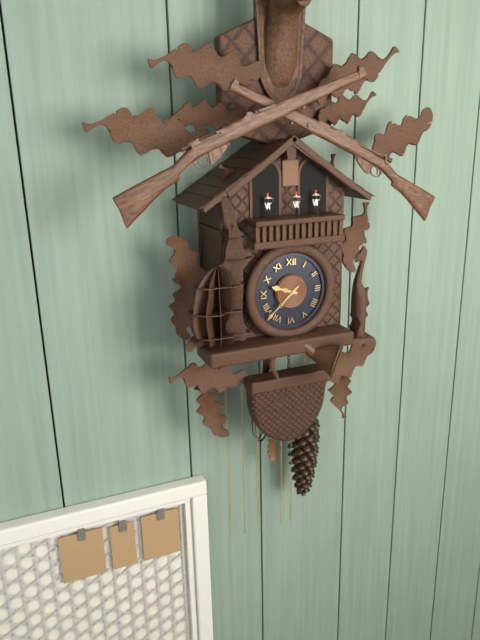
9h38
